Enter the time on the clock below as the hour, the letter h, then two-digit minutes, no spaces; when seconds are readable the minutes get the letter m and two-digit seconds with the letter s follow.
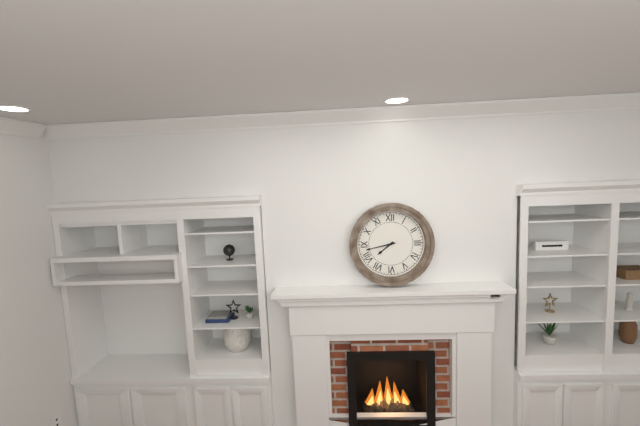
7h43
